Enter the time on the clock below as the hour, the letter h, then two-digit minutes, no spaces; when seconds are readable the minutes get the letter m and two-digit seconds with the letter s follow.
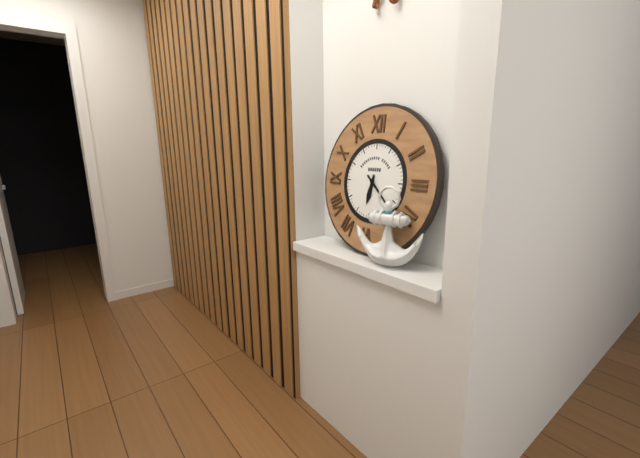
6h22
